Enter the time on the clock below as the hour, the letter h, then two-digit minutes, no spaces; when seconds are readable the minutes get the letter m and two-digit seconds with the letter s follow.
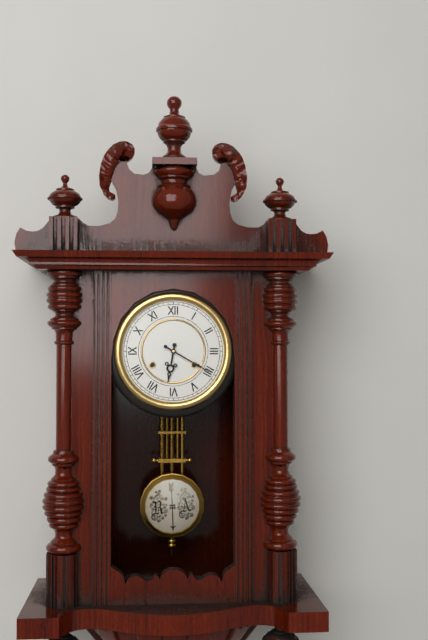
6h20
